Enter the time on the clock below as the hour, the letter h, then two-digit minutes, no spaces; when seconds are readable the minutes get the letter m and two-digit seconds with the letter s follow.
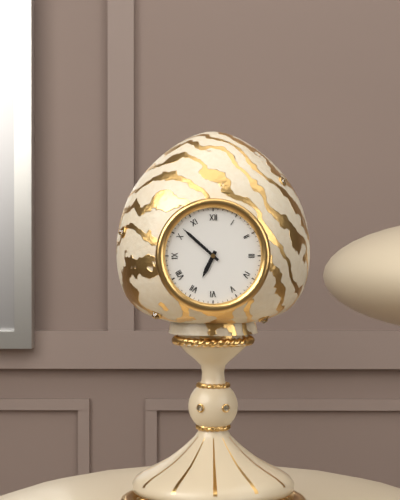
6h52
